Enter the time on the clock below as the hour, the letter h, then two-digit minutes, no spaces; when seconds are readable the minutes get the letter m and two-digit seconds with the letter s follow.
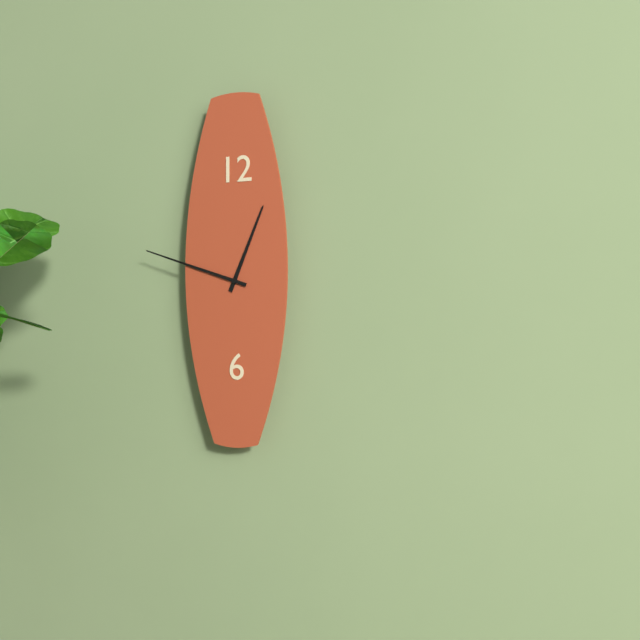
12h48
